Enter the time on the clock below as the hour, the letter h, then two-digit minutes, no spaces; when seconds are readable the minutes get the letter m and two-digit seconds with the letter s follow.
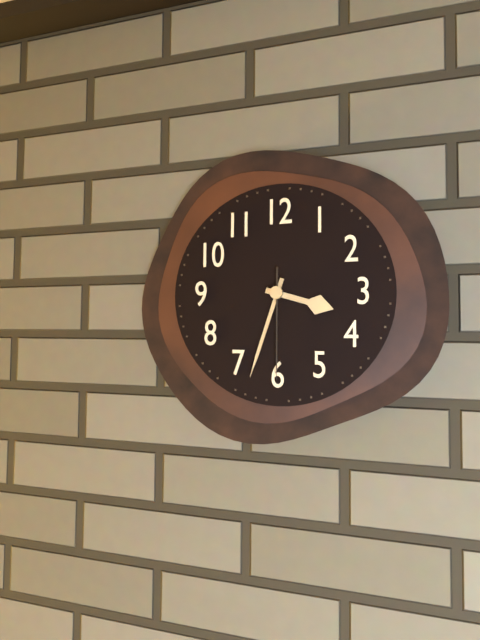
3h33m30s
